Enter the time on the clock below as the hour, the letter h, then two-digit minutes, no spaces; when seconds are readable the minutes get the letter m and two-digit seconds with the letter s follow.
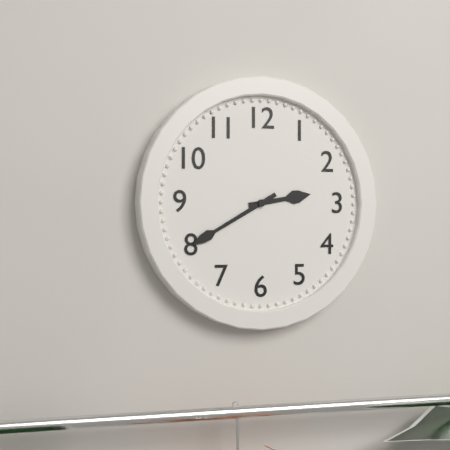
2h40
